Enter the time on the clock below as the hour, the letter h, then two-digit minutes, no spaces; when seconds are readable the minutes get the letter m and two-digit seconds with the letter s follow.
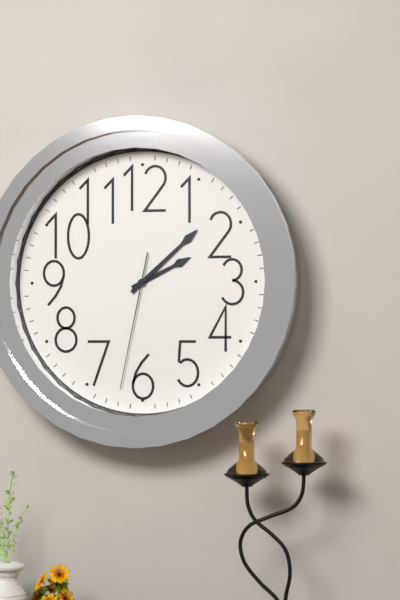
2h08m32s
